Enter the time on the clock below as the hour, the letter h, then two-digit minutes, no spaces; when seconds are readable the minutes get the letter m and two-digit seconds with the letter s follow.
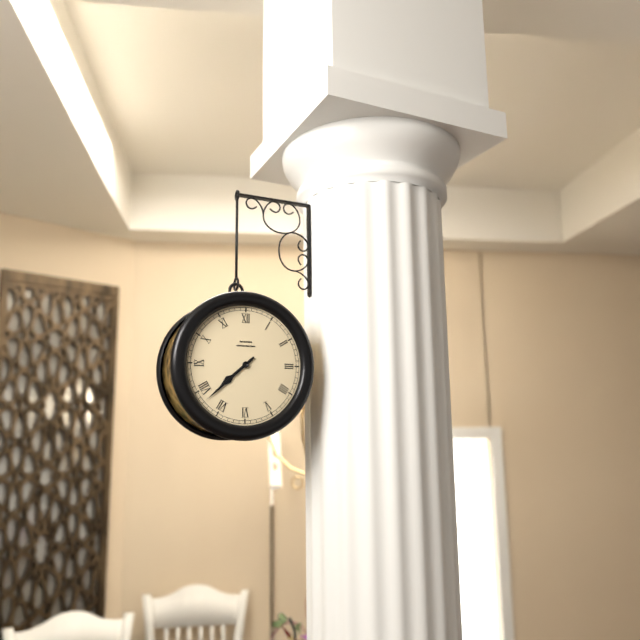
7h38
